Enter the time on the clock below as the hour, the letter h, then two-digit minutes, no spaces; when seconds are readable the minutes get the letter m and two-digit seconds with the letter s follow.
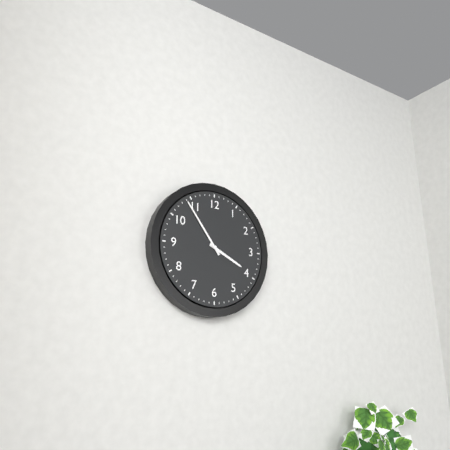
3h54
